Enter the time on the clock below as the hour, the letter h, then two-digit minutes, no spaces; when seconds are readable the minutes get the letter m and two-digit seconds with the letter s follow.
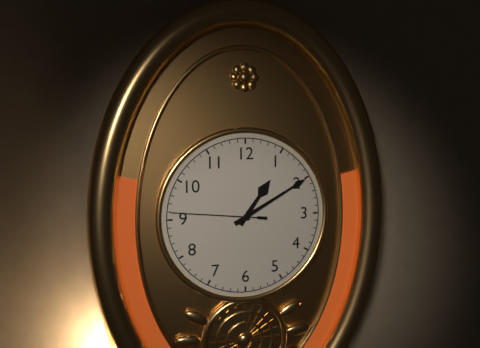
1h10m46s
